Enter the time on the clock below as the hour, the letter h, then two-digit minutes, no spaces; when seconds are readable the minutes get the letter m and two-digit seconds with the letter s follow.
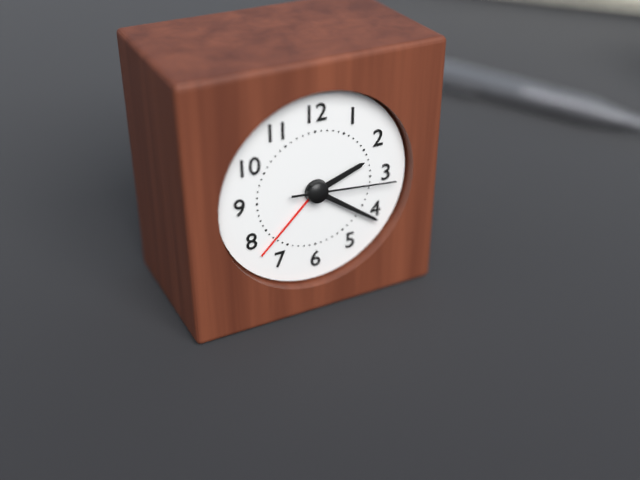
2h21m16s
